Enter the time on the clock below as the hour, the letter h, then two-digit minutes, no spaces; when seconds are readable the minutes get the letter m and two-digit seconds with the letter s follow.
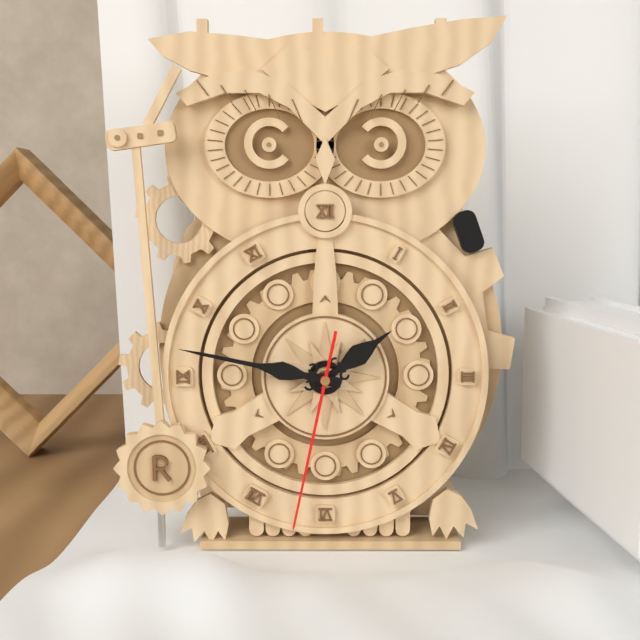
1h47m32s
